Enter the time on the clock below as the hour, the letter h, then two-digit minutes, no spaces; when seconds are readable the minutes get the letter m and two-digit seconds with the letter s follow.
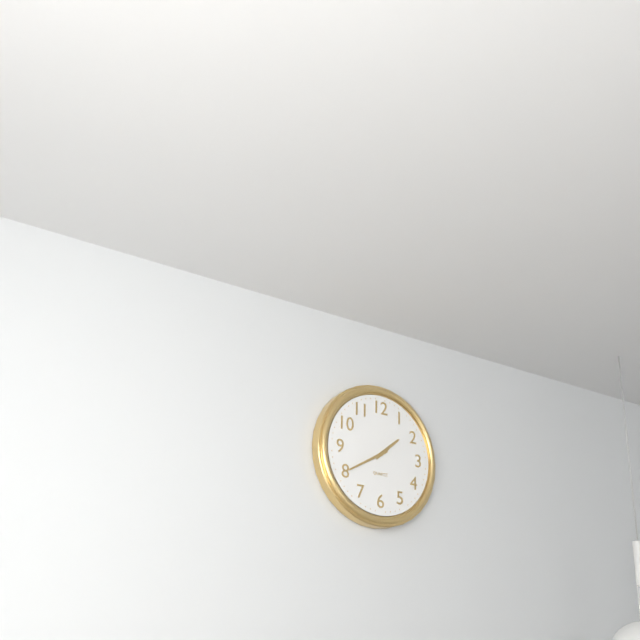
1h40
